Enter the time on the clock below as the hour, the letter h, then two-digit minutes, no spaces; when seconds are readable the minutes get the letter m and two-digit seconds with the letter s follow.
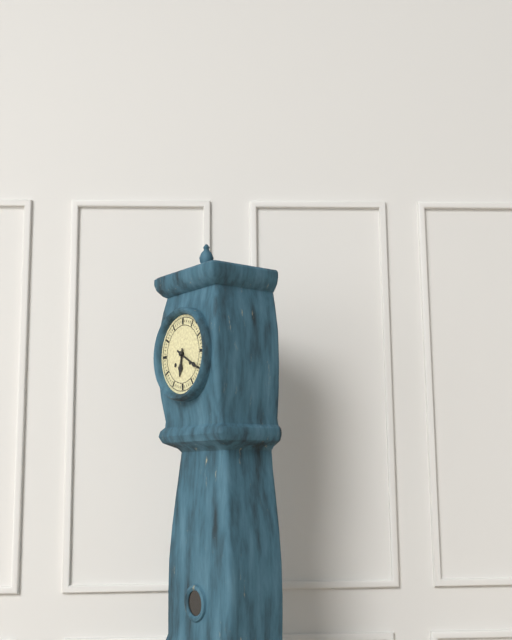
6h20
